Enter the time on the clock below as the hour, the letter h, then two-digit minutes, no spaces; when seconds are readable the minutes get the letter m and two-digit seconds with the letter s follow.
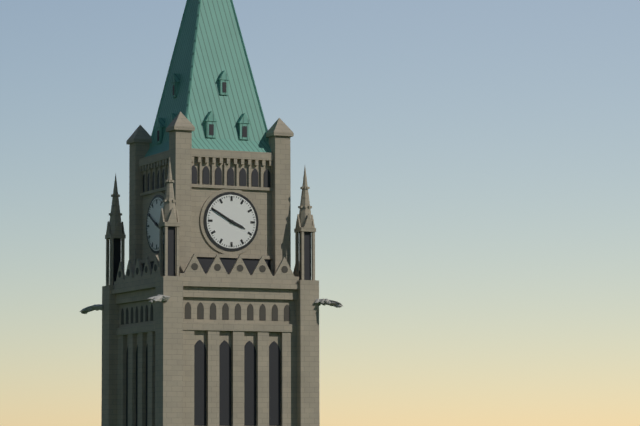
3h50
